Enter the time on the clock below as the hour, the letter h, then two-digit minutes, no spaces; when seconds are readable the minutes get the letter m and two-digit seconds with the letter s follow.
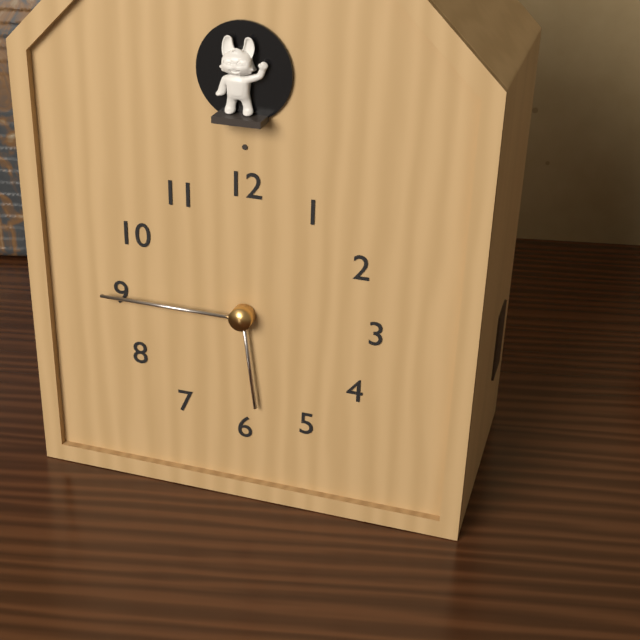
5h45
